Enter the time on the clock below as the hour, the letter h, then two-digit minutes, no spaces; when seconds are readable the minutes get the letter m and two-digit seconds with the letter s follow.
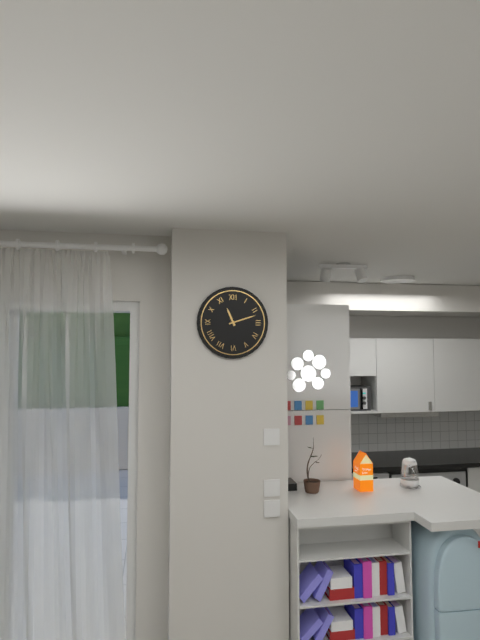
11h12
